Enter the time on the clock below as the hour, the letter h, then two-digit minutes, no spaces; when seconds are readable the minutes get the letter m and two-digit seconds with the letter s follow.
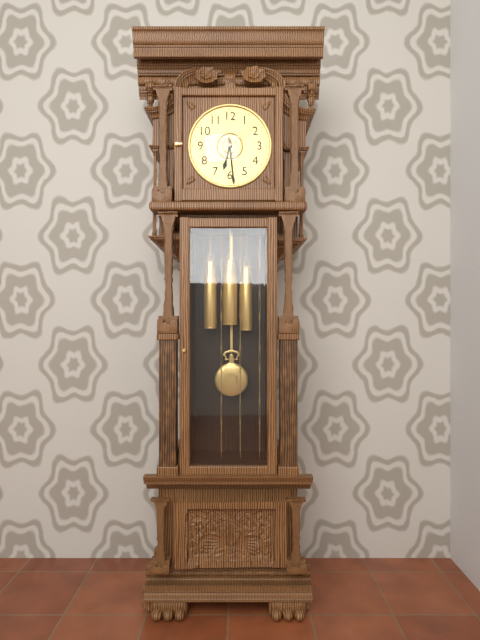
6h29
